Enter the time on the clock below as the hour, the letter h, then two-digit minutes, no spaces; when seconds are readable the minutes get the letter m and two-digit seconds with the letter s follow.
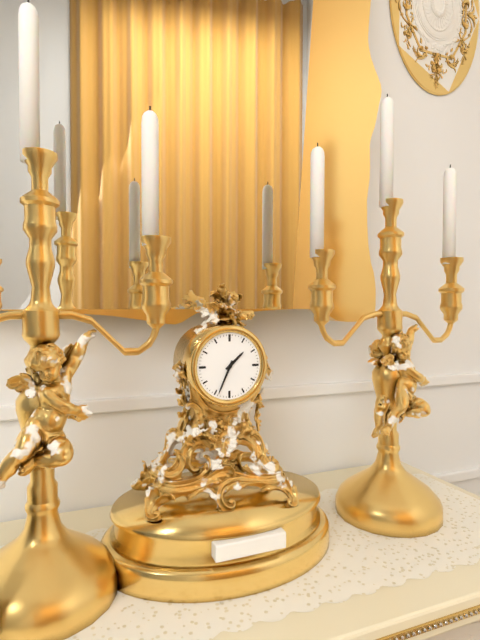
1h34
